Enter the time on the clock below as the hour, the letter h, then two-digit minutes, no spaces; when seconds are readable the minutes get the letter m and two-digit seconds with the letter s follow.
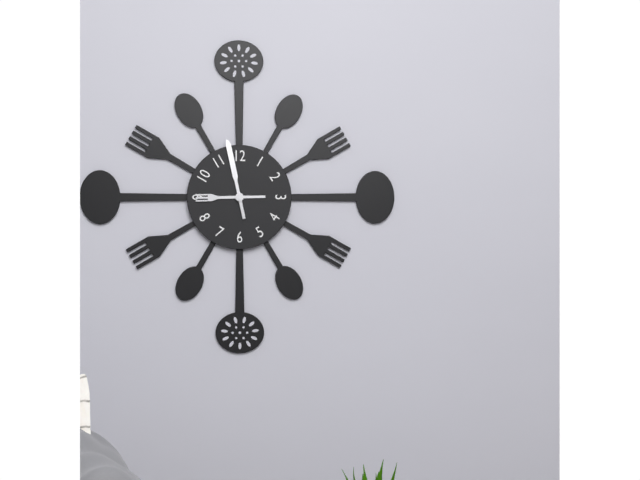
8h58
